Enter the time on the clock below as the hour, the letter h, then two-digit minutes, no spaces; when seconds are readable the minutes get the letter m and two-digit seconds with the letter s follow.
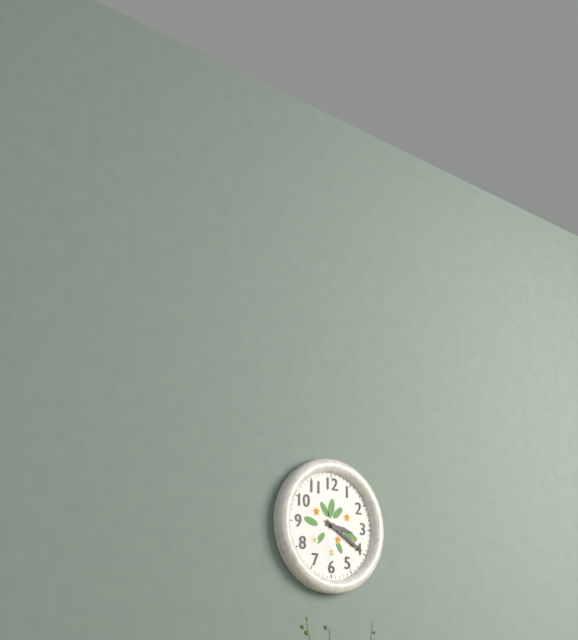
3h20
